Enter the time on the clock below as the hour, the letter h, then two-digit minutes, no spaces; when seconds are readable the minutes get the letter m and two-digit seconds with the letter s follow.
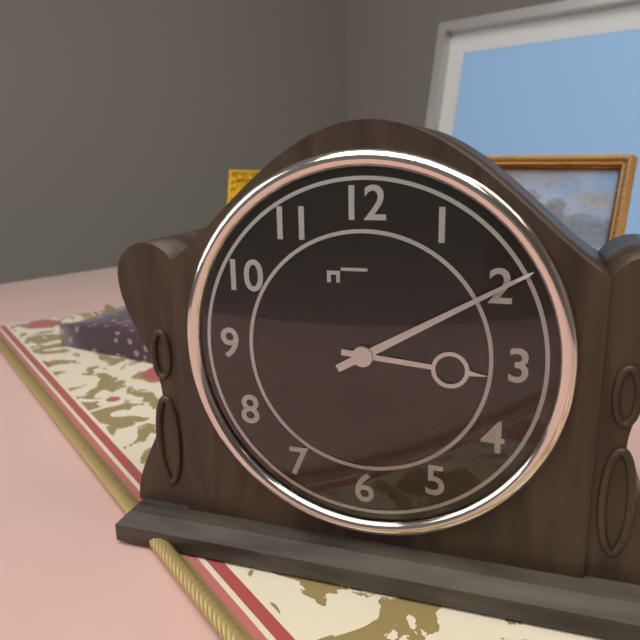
3h10
